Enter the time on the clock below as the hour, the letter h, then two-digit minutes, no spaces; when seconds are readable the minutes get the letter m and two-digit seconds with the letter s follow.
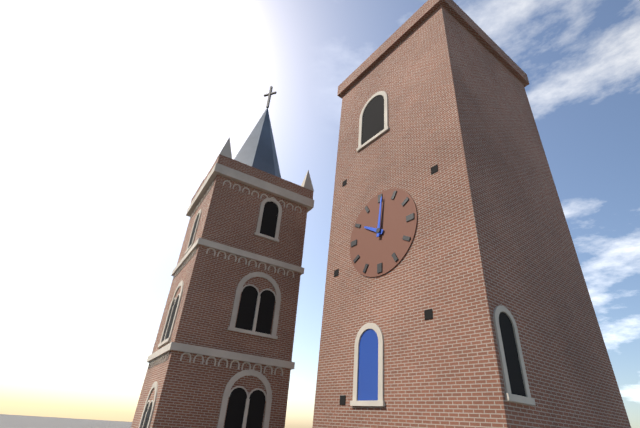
10h01
